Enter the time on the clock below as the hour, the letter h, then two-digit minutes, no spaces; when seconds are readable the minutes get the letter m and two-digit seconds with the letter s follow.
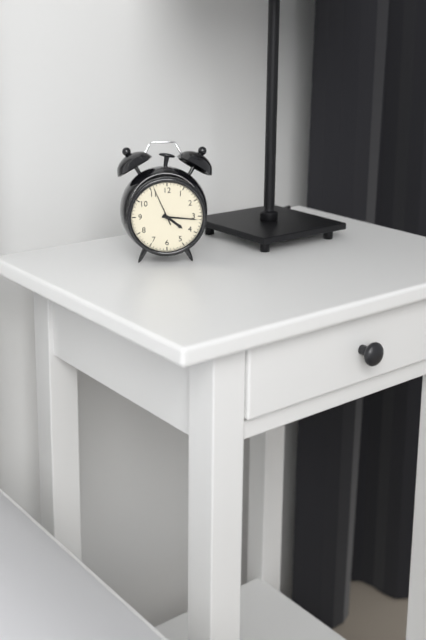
4h16
